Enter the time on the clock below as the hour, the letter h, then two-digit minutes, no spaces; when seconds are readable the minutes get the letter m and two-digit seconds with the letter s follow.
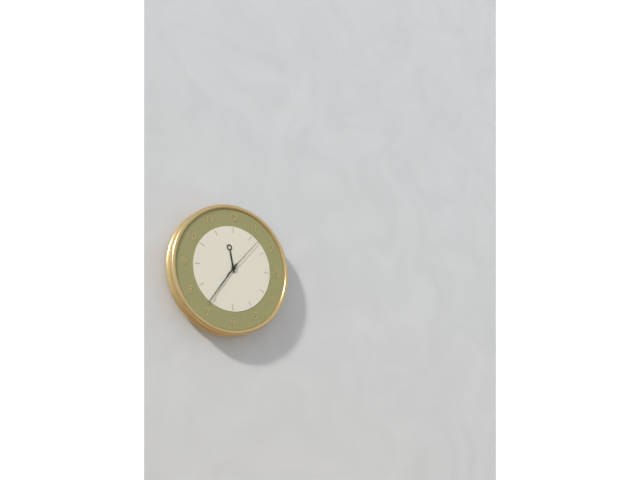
11h36
